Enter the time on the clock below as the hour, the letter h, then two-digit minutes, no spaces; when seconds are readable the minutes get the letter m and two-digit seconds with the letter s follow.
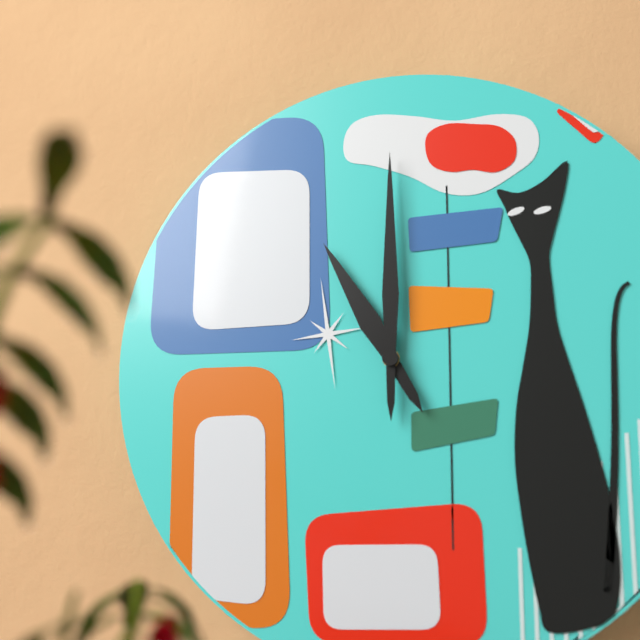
11h00
